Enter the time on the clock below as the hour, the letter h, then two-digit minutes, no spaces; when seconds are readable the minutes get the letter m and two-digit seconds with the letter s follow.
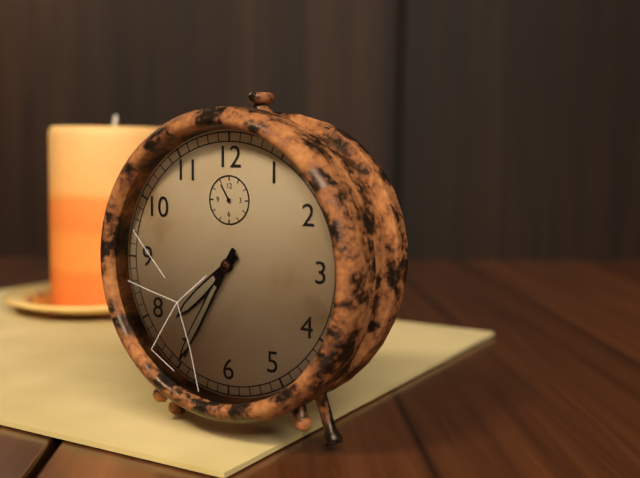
7h35
